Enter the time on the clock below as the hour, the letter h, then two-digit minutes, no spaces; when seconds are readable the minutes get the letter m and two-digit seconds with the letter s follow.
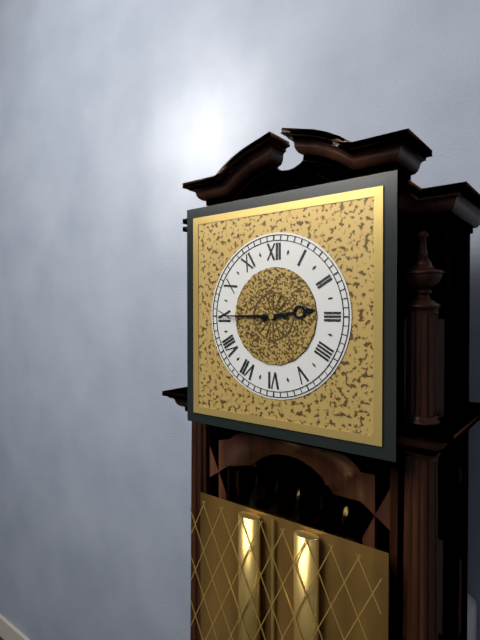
2h45
